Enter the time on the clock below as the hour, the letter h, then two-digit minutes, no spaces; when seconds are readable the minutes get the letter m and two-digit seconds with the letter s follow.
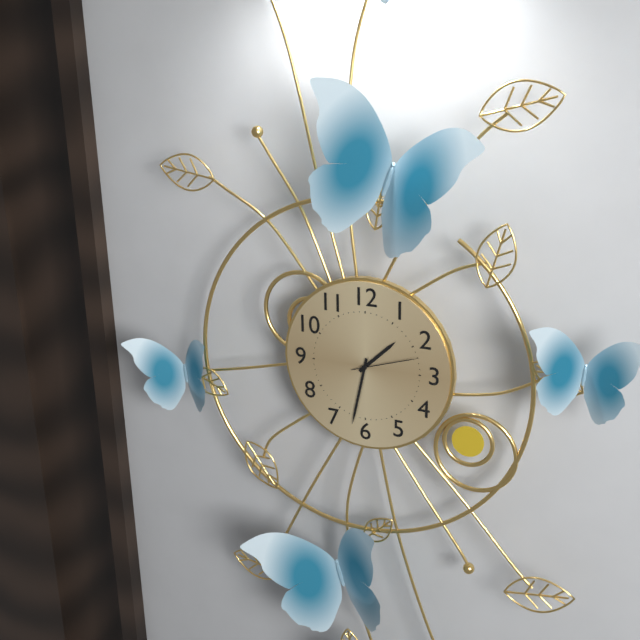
1h32m12s
